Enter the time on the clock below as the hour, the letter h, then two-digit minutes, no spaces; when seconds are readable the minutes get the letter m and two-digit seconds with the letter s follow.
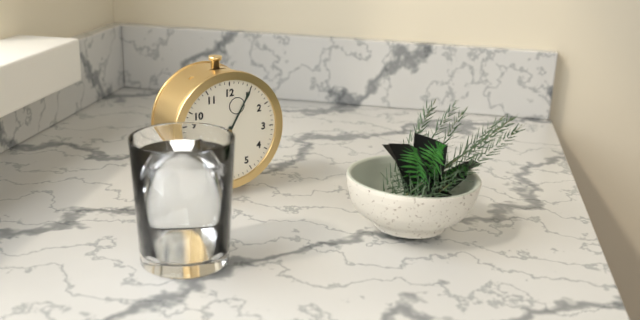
6h05
